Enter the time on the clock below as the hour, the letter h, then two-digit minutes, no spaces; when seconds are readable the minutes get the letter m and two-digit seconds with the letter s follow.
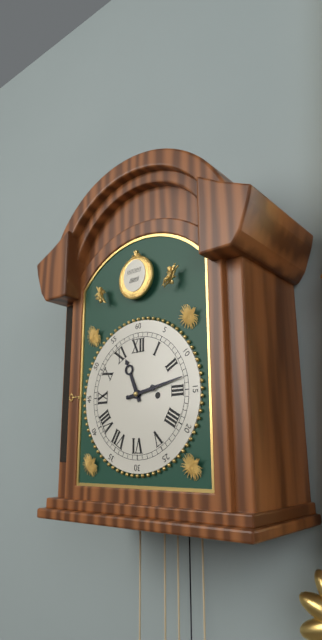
11h13
